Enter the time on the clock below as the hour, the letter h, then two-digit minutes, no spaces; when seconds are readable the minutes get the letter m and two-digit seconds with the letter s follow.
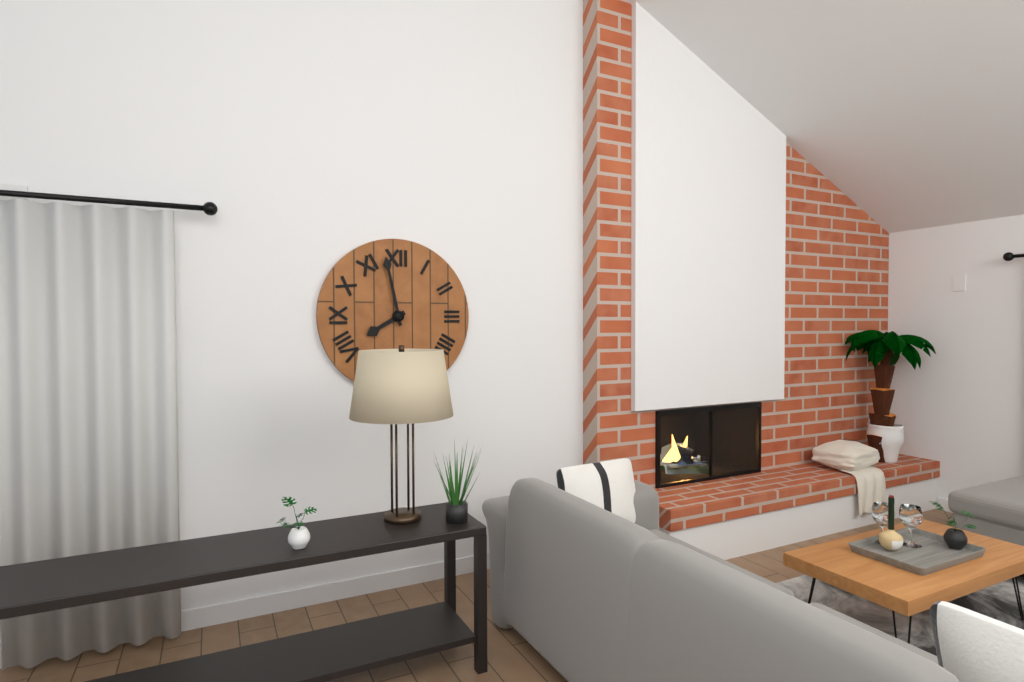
7h58
